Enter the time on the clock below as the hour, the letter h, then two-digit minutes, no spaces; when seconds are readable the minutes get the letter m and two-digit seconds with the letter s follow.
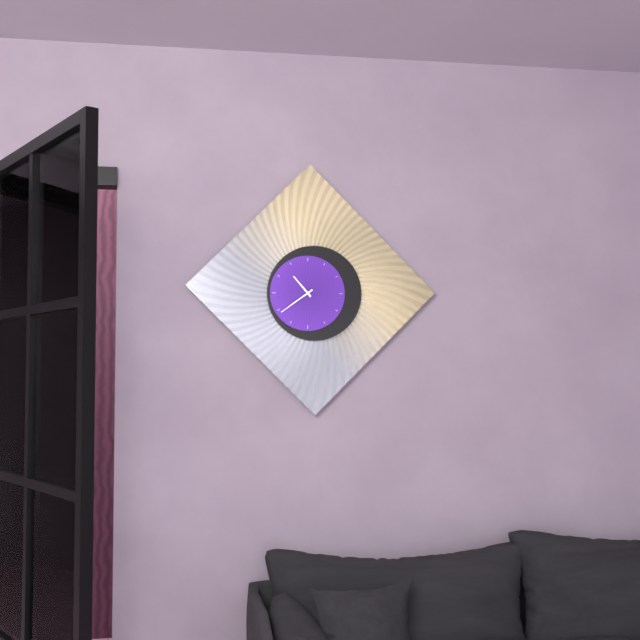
10h39
